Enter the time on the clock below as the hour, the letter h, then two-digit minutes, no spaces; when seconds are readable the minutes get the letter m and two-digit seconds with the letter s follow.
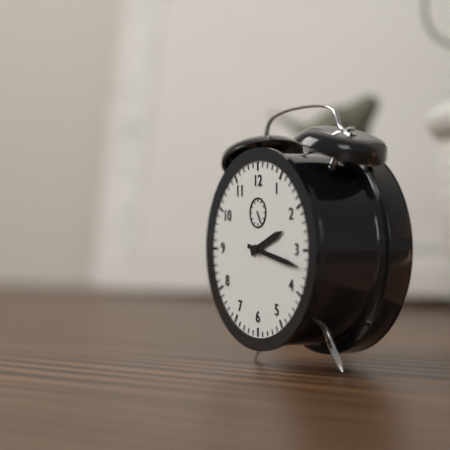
2h17
